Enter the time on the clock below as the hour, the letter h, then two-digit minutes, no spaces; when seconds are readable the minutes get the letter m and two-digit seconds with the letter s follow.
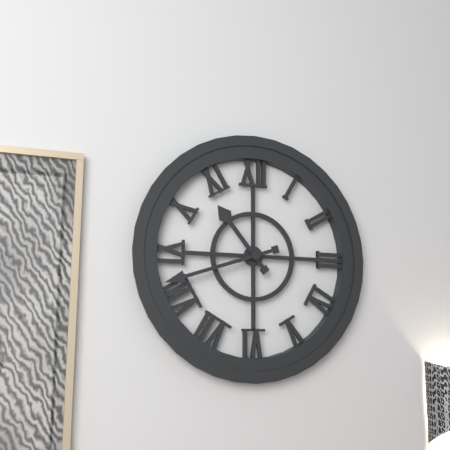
10h42
